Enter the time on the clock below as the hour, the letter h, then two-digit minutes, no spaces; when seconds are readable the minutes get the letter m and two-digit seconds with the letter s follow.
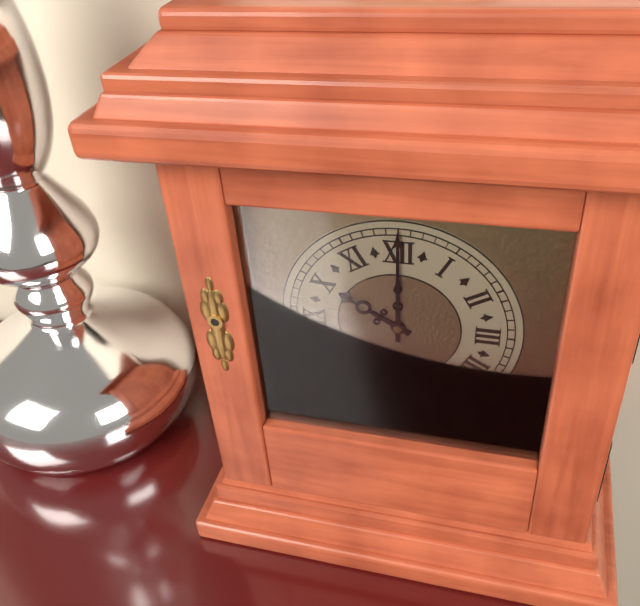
10h00
